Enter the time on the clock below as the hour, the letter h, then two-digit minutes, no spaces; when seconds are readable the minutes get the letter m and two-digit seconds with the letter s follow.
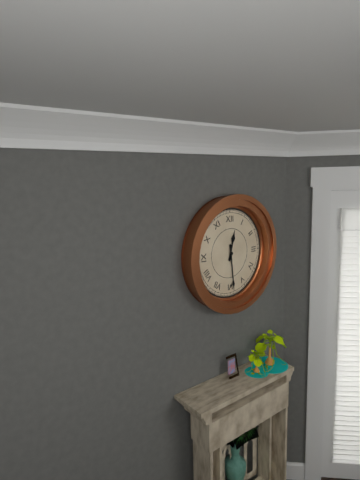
12h29
